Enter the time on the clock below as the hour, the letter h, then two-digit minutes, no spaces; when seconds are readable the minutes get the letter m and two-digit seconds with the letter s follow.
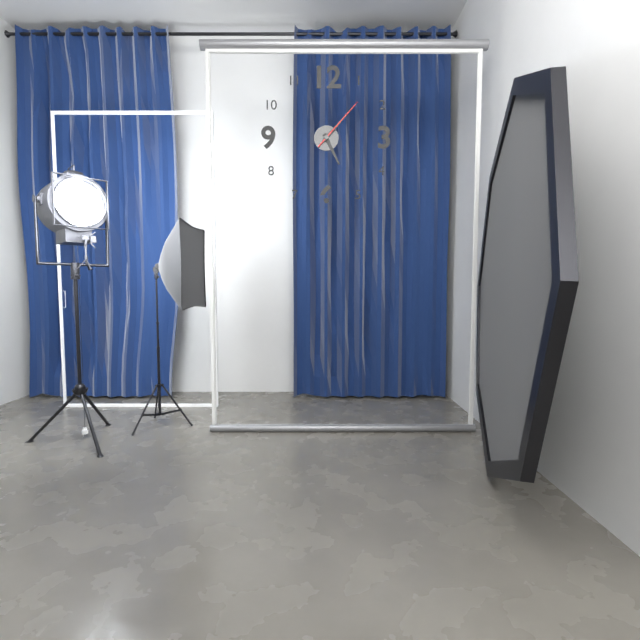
5h07m07s
